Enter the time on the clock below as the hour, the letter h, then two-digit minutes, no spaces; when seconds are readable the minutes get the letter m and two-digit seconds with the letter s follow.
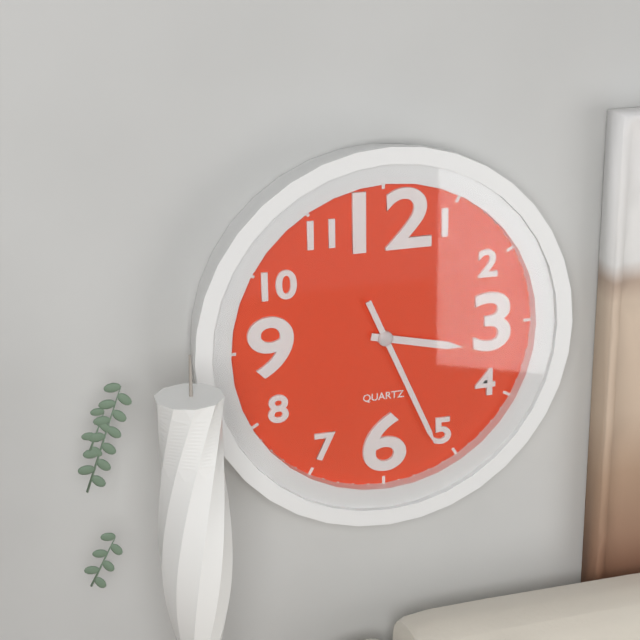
3h26
